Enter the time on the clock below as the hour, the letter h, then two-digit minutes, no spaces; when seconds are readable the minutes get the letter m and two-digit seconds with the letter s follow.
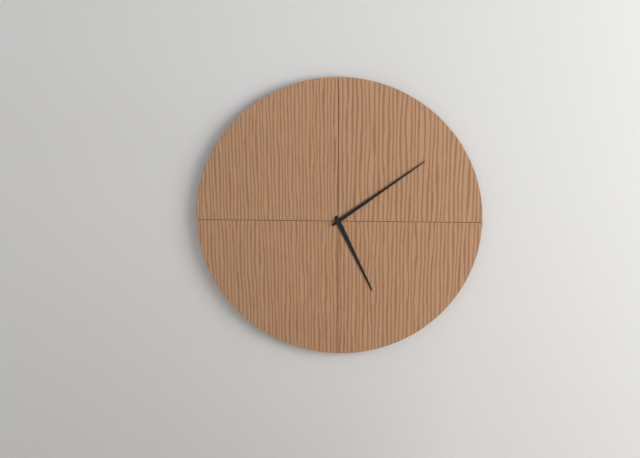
5h09
